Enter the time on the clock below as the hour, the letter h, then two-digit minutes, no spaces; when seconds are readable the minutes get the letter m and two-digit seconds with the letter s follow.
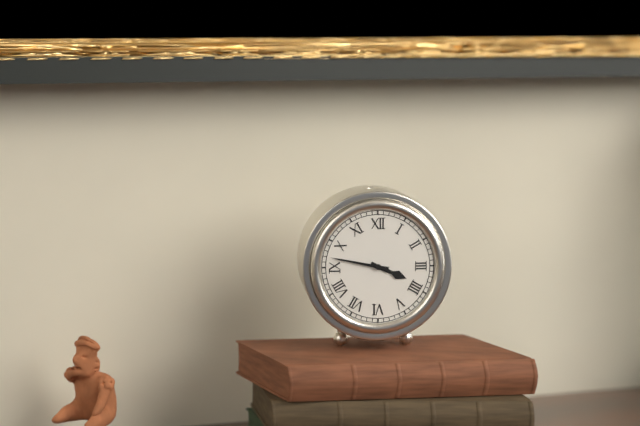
3h47
